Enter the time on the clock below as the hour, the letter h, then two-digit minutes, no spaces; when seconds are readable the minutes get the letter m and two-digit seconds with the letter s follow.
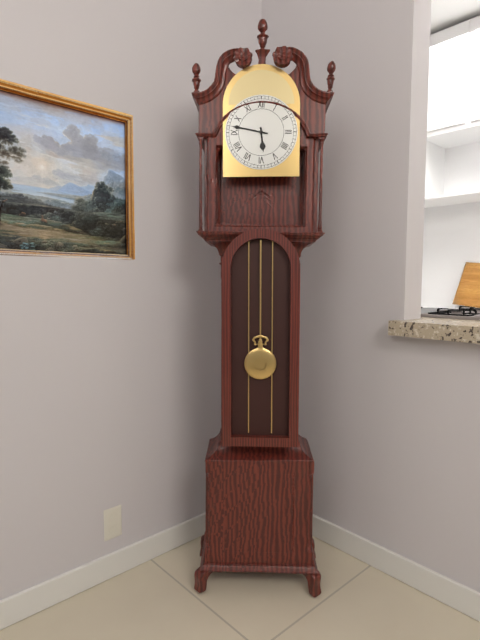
5h47
